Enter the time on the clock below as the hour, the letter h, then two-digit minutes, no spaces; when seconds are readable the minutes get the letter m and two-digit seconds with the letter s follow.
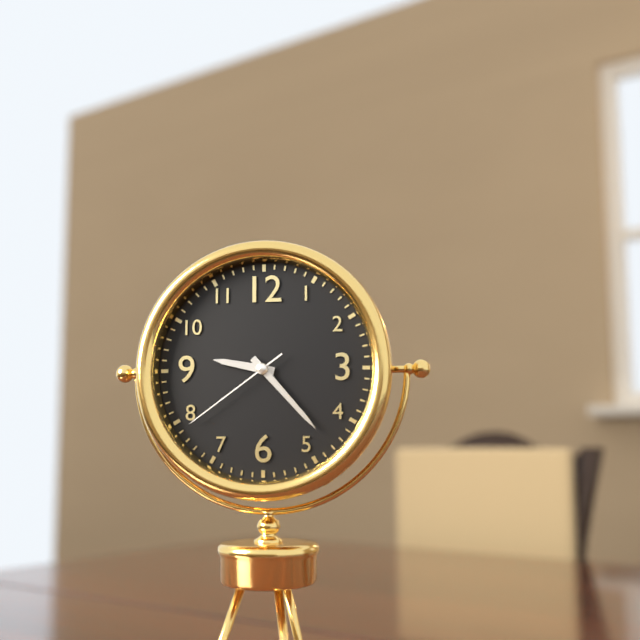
9h23m39s
